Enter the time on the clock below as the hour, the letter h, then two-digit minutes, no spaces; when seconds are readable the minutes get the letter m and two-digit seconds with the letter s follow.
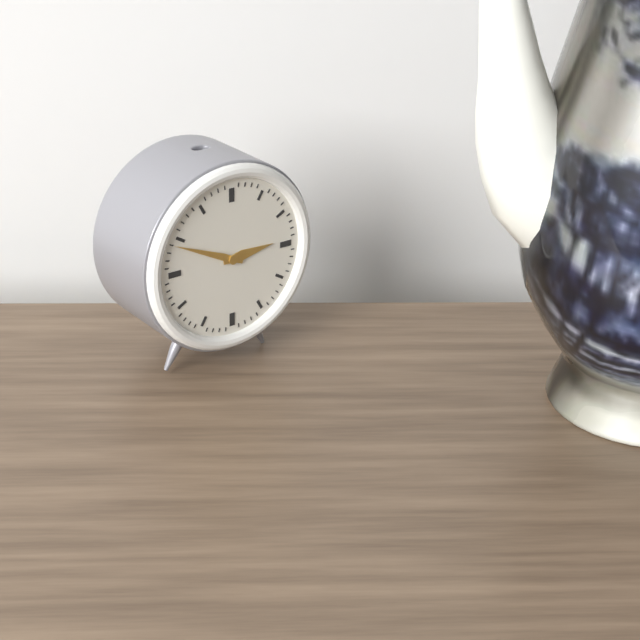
2h49
